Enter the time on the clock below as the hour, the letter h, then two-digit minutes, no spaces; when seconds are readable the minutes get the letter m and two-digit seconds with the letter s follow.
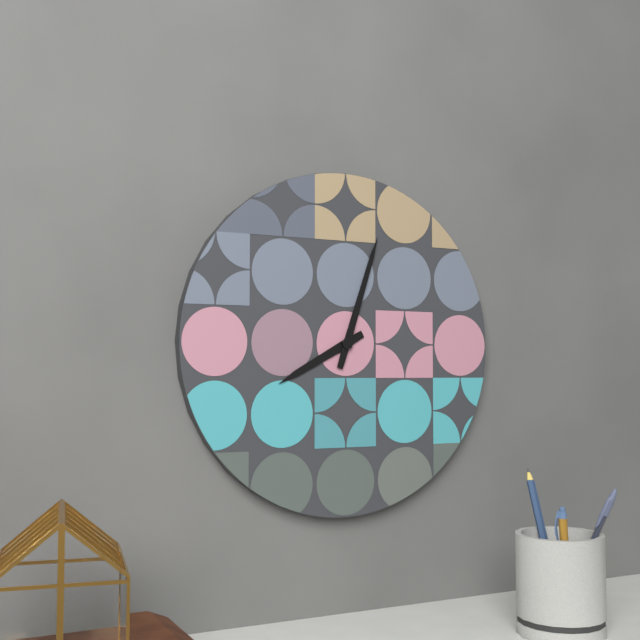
8h03
